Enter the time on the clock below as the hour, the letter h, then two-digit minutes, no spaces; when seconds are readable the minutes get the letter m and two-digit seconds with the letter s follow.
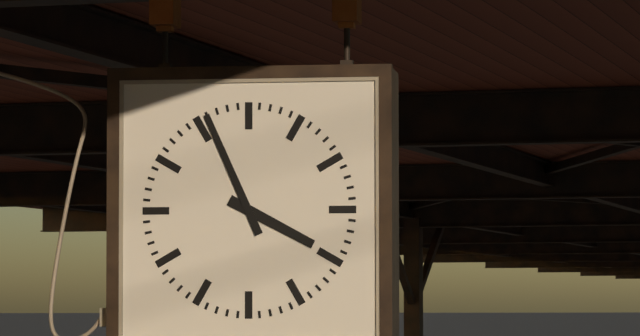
3h56
